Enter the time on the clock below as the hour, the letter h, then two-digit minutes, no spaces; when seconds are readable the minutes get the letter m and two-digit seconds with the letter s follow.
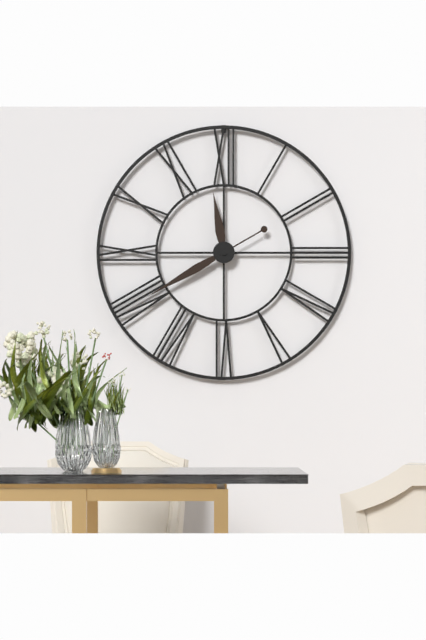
11h40
